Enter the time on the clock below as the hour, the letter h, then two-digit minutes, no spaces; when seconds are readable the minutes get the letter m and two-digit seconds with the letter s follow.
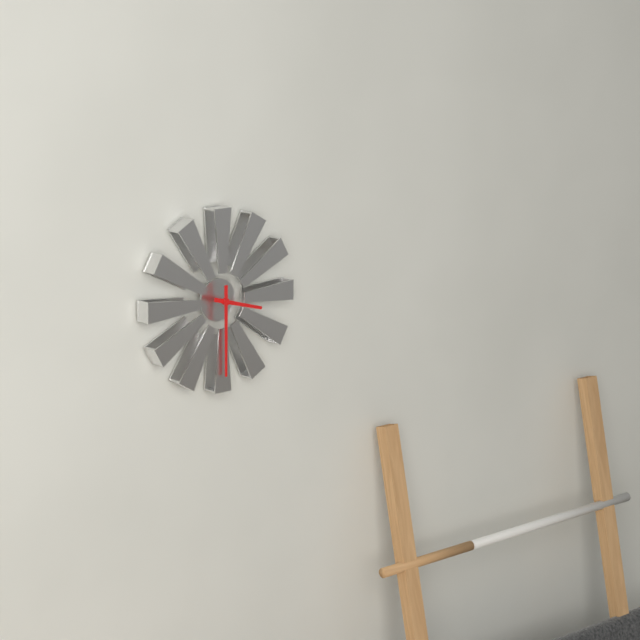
3h30
